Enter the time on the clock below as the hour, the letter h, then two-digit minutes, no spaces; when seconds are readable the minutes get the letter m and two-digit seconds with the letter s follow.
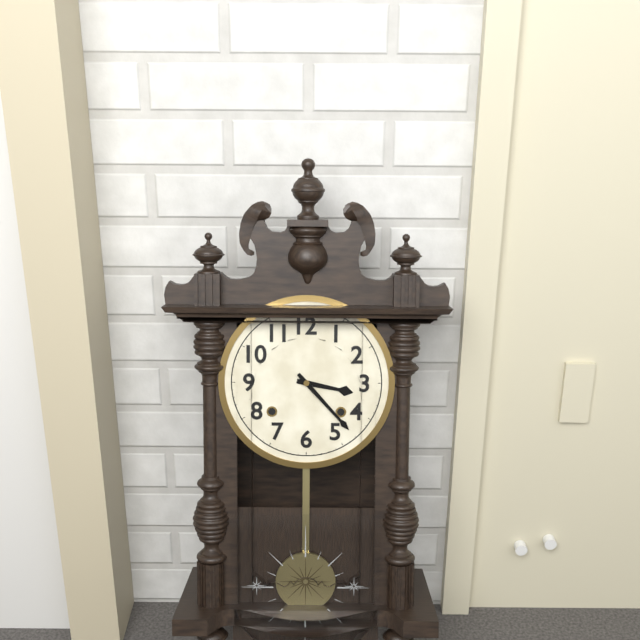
3h23
